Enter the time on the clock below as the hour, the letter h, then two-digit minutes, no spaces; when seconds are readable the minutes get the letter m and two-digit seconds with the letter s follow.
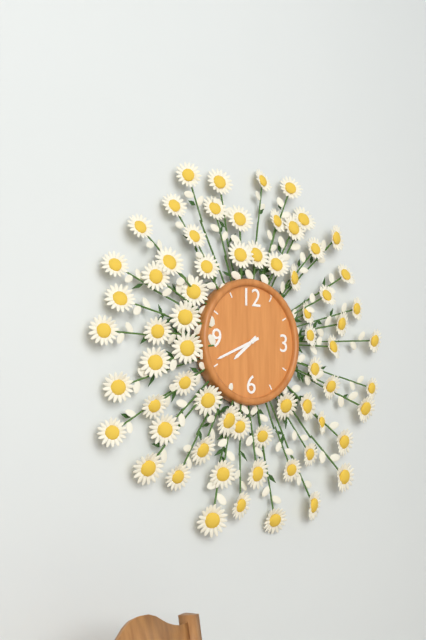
7h41
